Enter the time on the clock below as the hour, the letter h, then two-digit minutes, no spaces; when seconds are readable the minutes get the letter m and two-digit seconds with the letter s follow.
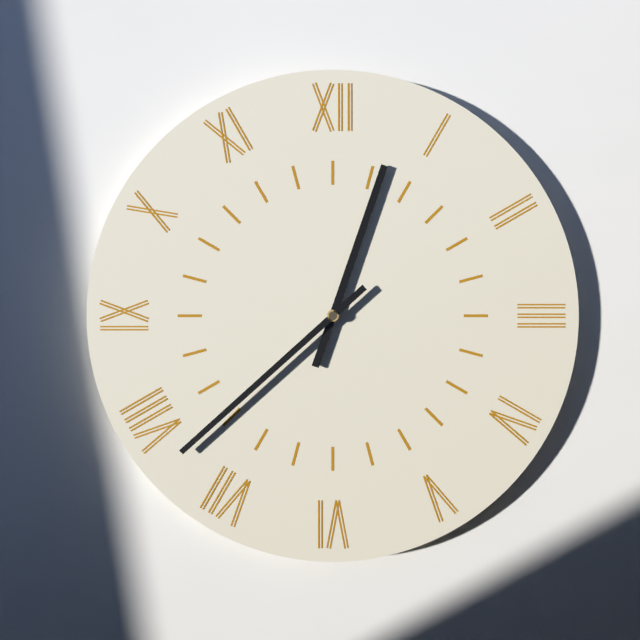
12h38
